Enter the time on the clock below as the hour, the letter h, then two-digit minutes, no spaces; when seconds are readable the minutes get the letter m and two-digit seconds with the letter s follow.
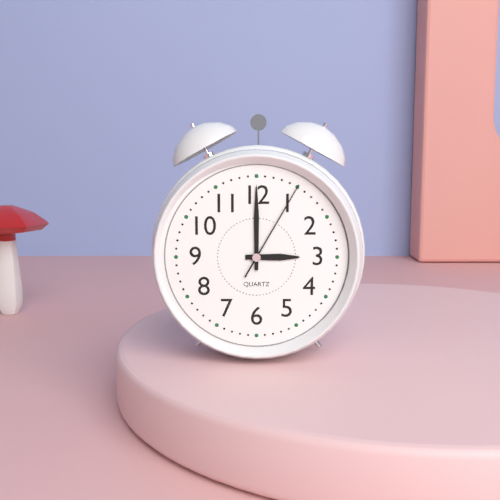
3h00m05s
